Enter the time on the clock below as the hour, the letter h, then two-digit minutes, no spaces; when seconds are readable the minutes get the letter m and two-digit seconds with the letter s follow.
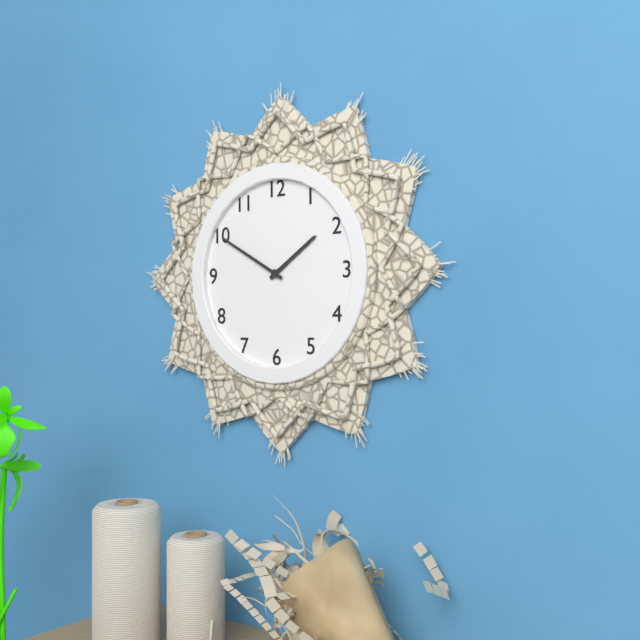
1h50
